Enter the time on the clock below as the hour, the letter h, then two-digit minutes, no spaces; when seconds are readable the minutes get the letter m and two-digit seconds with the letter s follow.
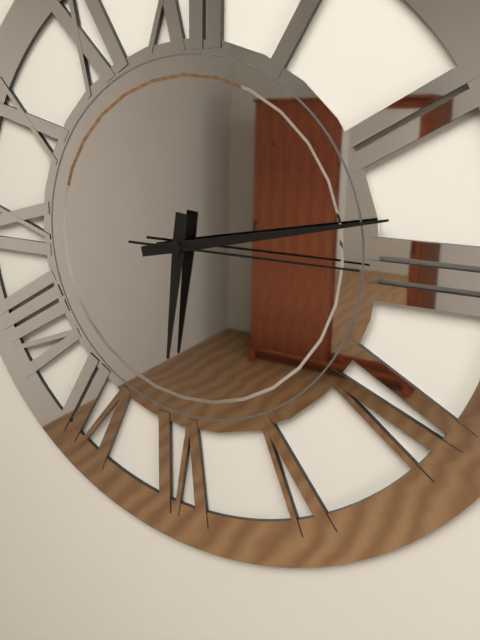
6h13m15s
